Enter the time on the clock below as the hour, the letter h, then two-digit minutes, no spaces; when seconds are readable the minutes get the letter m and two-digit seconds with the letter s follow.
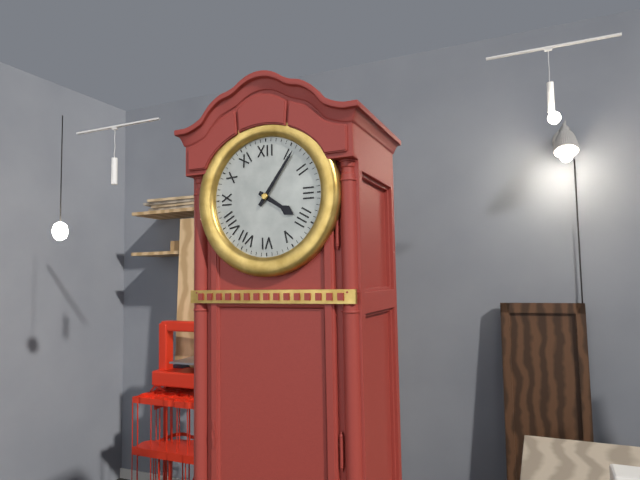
4h06
